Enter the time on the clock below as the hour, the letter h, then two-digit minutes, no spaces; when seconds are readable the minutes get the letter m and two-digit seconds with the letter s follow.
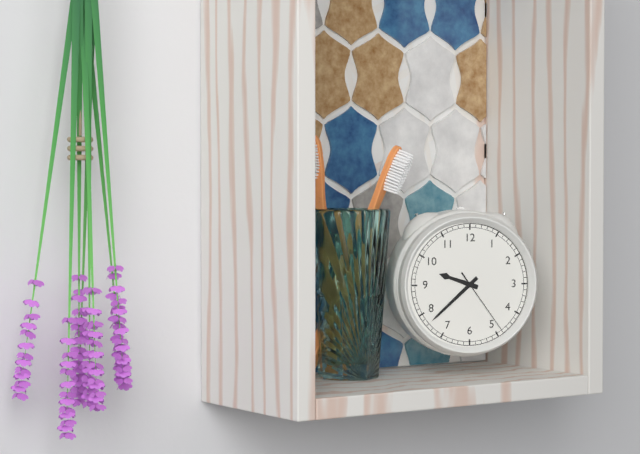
9h38m24s
